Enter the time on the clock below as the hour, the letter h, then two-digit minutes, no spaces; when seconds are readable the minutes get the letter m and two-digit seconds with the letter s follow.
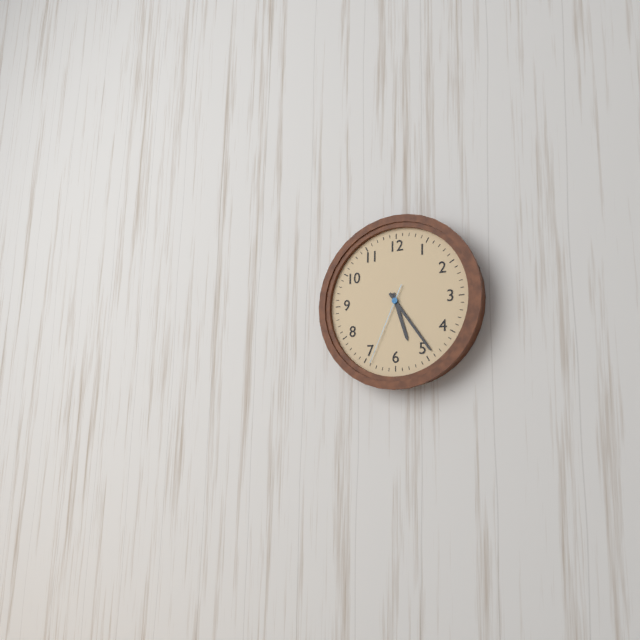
5h24m34s
